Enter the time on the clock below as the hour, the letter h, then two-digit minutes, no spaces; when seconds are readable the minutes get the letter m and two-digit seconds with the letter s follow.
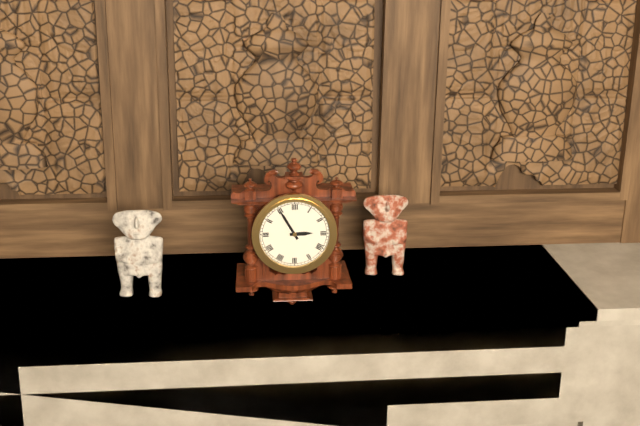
2h55
